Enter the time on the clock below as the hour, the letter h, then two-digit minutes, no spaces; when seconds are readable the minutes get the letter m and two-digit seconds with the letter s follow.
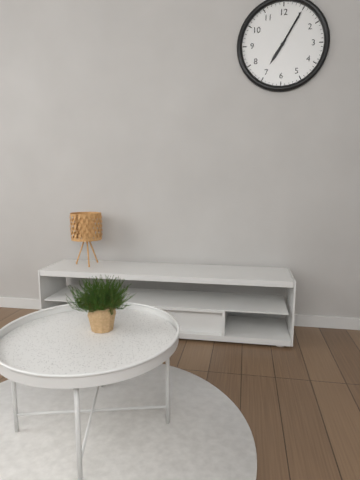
7h05
